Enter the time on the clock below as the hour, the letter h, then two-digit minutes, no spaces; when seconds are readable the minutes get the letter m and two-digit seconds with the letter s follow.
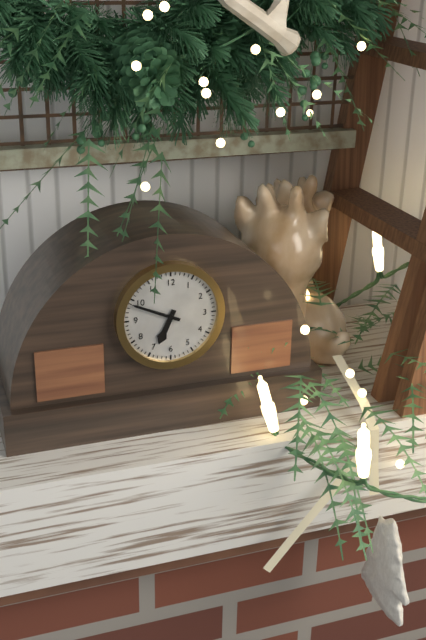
6h49
